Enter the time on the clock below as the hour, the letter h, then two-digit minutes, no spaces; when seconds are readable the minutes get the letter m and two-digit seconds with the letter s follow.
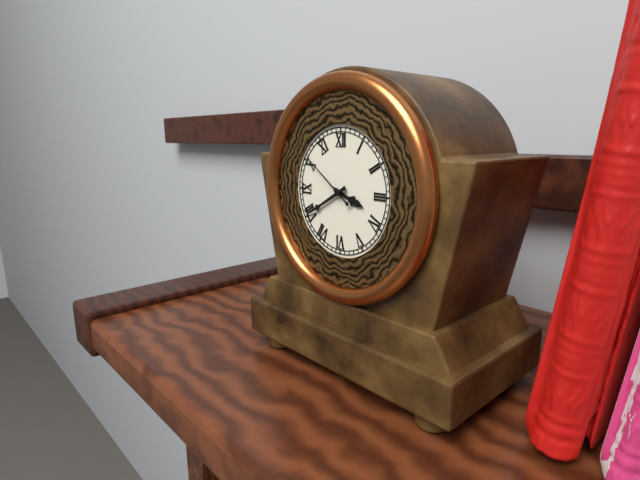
3h40m51s
